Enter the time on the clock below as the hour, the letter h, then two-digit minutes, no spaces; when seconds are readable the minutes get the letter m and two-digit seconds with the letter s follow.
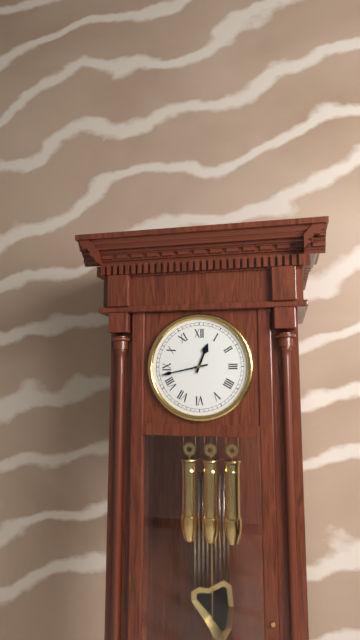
12h43
